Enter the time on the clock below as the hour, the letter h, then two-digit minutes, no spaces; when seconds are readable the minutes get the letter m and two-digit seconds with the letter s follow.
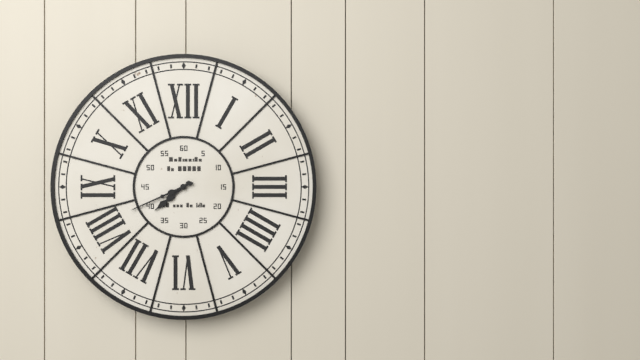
7h41
